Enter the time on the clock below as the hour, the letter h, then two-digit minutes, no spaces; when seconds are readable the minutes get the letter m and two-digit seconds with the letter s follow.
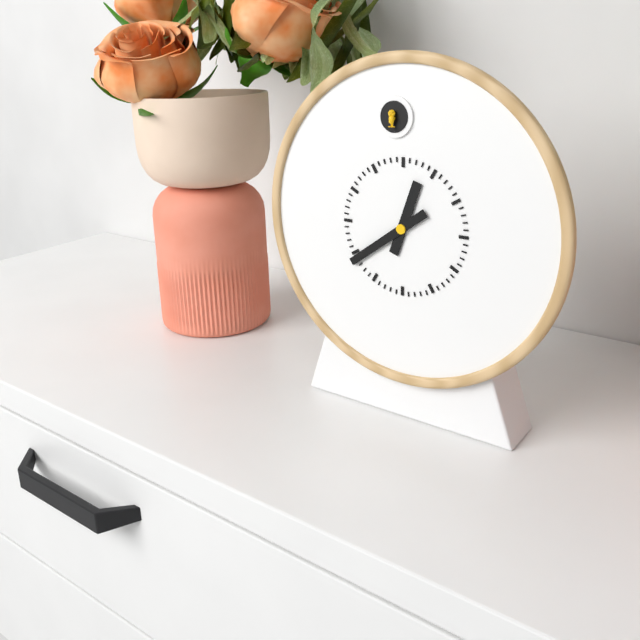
12h39
